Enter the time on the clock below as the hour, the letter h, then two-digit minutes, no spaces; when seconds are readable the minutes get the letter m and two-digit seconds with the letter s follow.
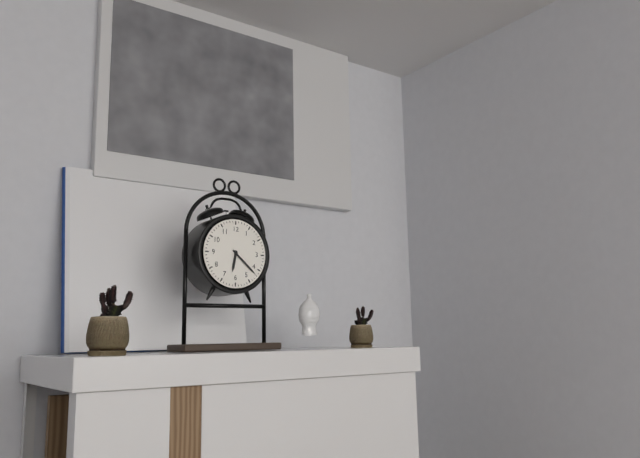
6h22
